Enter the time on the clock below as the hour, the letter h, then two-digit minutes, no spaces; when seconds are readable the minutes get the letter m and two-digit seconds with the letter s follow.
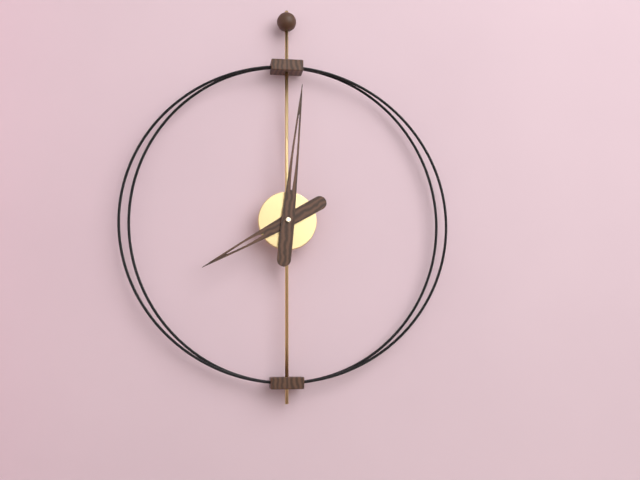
8h01
